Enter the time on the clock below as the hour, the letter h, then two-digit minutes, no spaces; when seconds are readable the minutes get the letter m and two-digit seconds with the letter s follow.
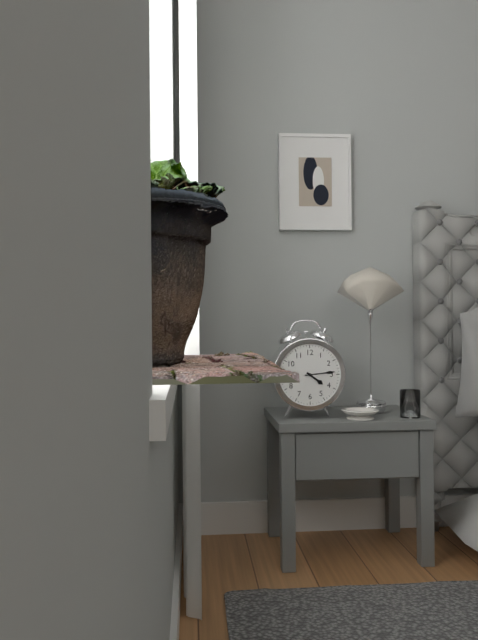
4h14
